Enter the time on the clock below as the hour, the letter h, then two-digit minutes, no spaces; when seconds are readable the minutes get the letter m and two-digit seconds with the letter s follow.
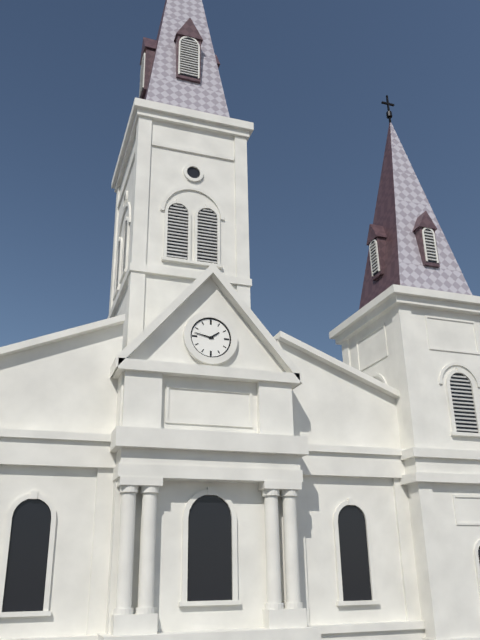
1h47
